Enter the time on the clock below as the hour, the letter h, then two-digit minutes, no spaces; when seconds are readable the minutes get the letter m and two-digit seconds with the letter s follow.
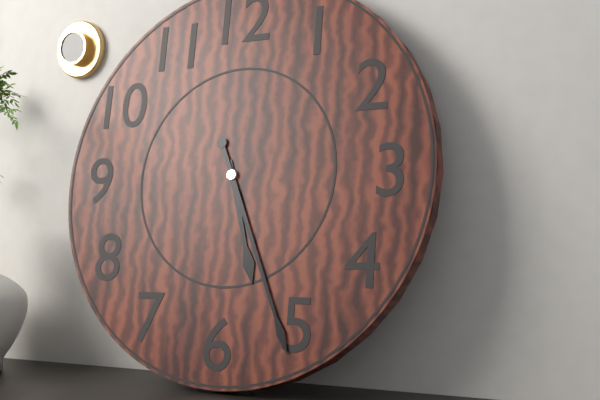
5h26
